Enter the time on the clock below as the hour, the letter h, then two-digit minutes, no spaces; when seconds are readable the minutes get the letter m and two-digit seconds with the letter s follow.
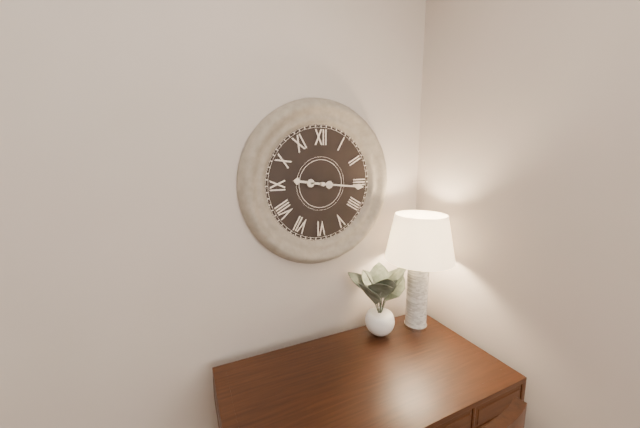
9h16
